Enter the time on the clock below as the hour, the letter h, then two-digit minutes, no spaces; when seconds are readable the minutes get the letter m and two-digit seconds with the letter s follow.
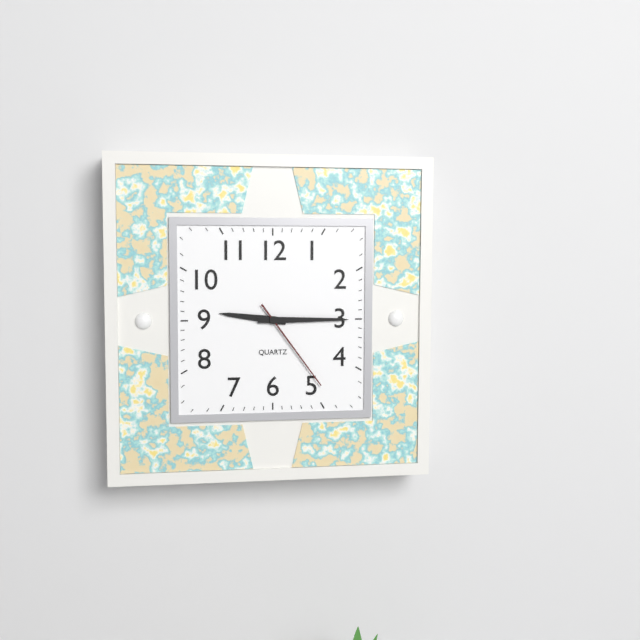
9h15m24s
